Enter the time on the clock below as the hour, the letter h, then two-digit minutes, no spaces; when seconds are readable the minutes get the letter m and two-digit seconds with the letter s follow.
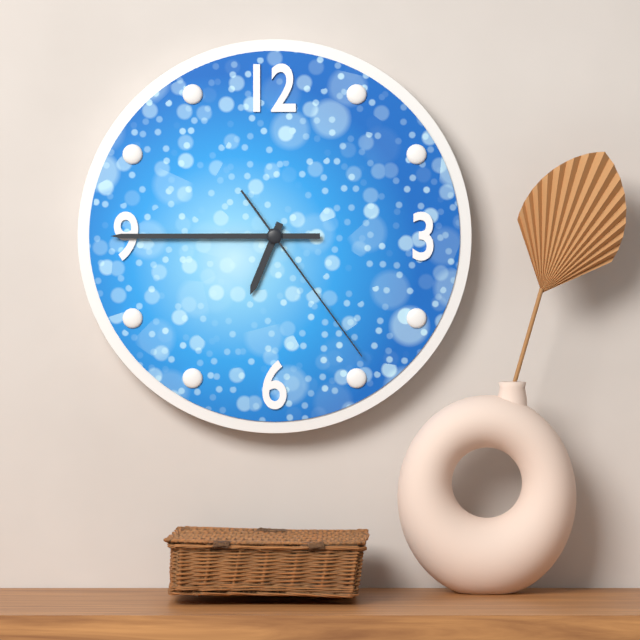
6h45m24s
